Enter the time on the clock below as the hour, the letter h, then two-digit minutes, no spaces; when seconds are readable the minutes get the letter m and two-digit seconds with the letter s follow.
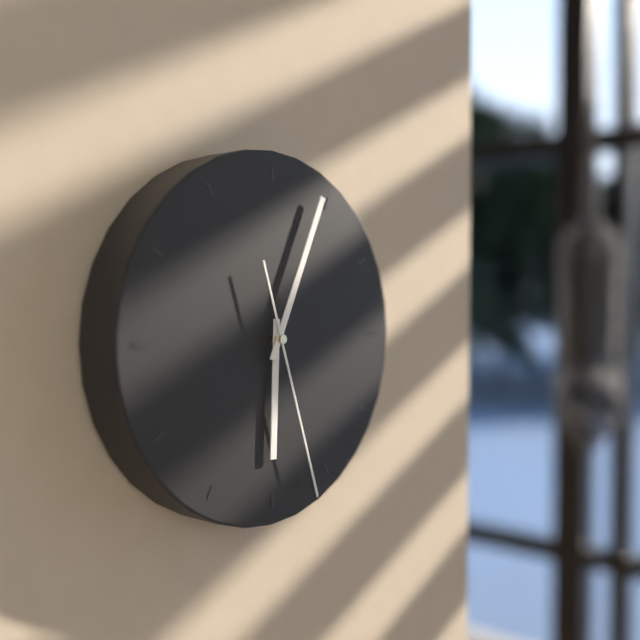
6h04m27s
